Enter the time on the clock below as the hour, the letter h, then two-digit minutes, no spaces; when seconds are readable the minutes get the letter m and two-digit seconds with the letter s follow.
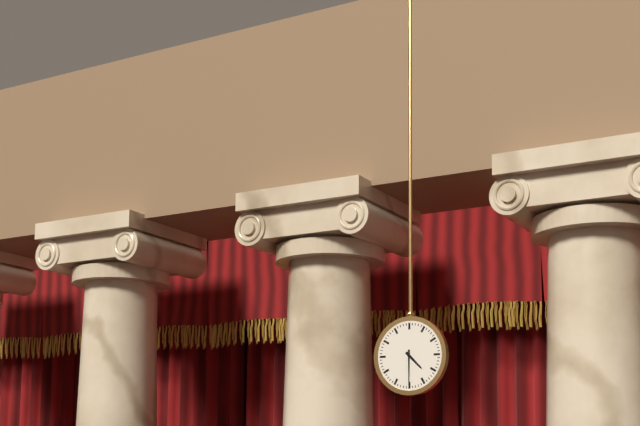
4h30
